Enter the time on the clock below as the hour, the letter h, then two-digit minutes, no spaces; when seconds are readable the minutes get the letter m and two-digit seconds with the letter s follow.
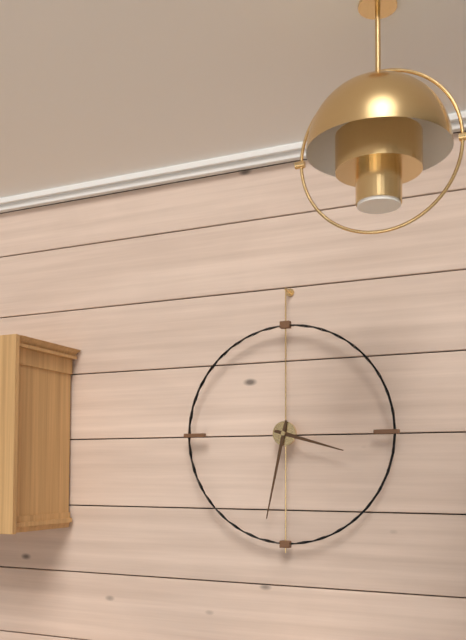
3h32
